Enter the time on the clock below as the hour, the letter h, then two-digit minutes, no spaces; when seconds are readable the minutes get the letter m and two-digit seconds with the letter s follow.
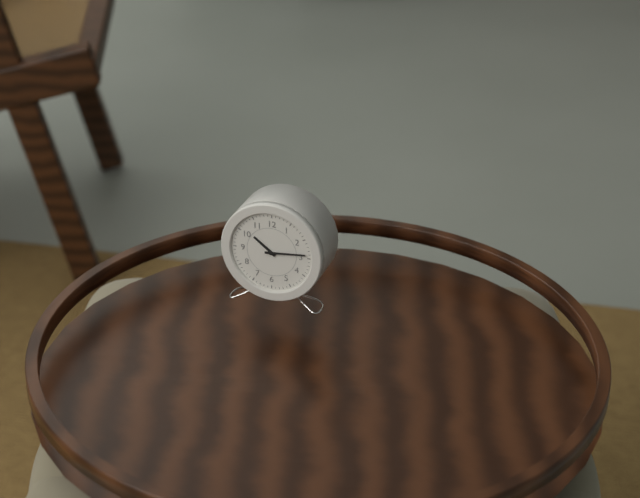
10h14
